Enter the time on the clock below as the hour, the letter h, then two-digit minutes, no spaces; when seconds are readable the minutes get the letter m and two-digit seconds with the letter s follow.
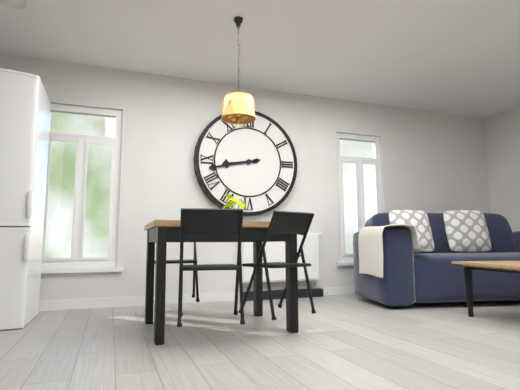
8h43
